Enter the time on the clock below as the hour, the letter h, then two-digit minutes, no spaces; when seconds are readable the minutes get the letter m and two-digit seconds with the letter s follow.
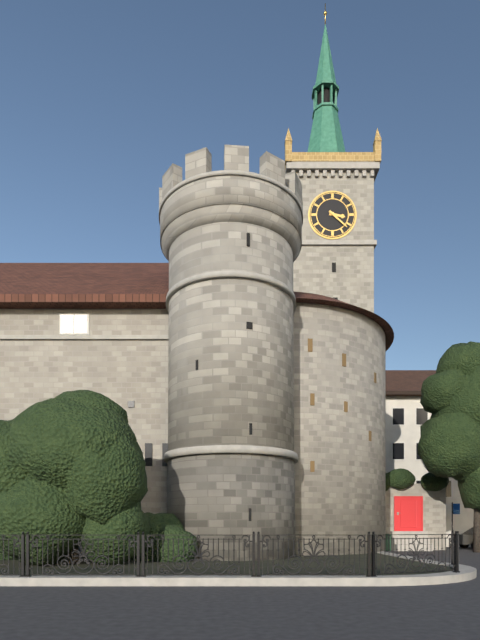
3h22
